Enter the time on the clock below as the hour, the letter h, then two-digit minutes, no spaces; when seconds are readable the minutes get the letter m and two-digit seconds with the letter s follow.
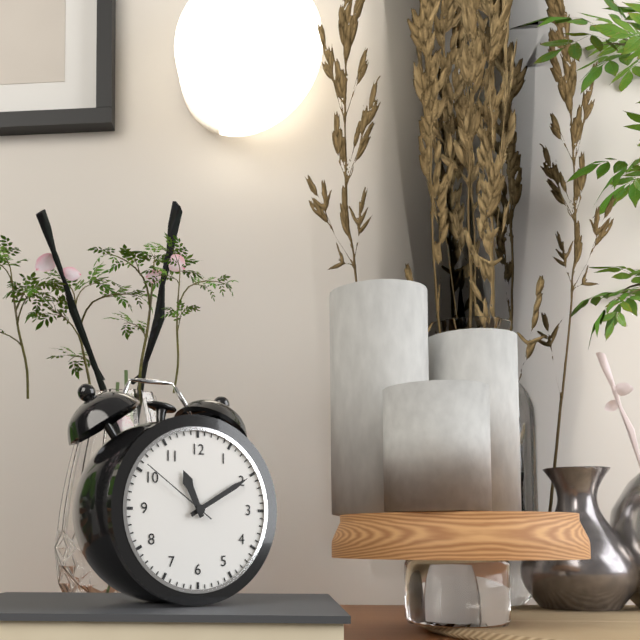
11h10m51s
